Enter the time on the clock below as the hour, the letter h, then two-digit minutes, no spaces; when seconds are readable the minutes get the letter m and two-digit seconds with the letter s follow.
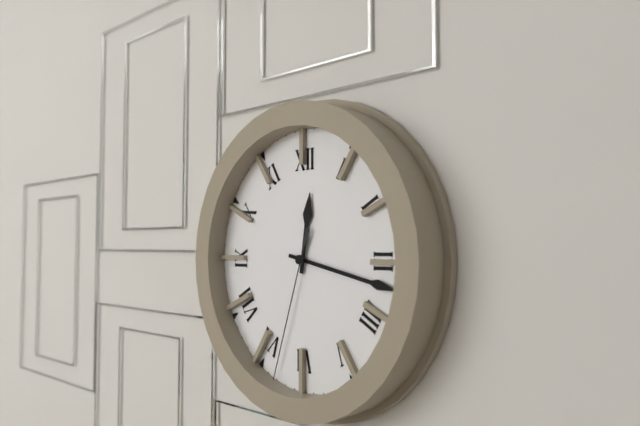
12h17m33s
